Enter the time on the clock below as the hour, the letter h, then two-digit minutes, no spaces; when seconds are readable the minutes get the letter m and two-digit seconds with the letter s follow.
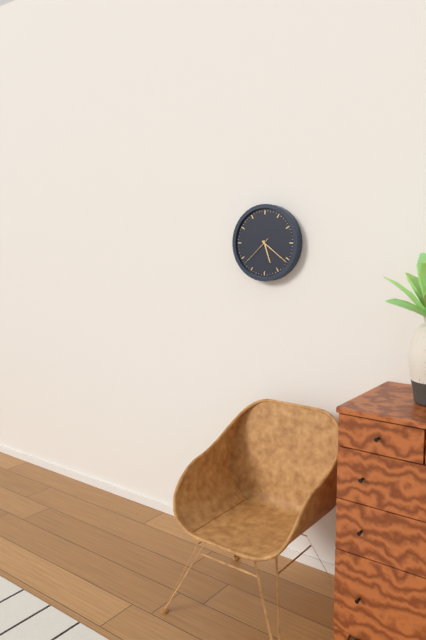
5h21
